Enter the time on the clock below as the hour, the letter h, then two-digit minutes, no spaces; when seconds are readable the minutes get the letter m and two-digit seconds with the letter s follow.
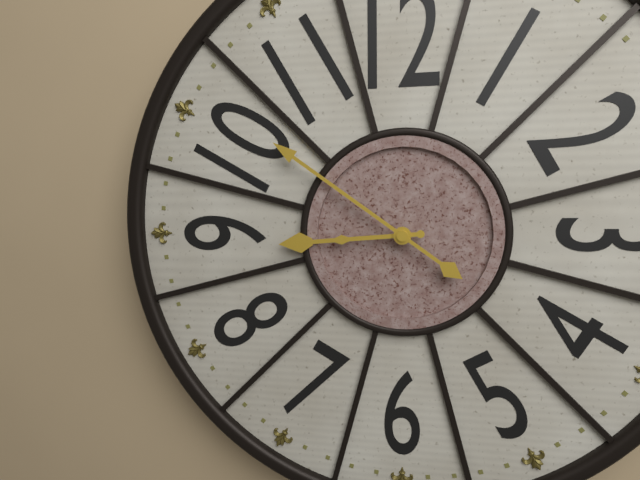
8h51
